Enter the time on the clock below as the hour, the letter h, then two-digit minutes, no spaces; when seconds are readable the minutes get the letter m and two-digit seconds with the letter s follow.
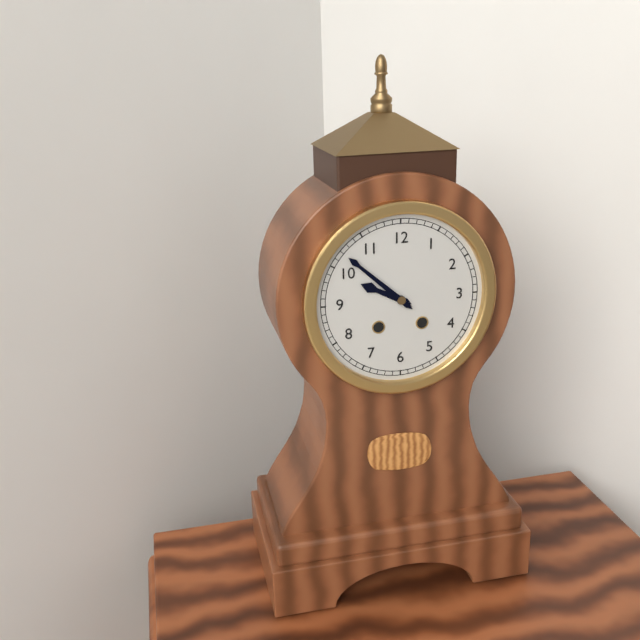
9h52
